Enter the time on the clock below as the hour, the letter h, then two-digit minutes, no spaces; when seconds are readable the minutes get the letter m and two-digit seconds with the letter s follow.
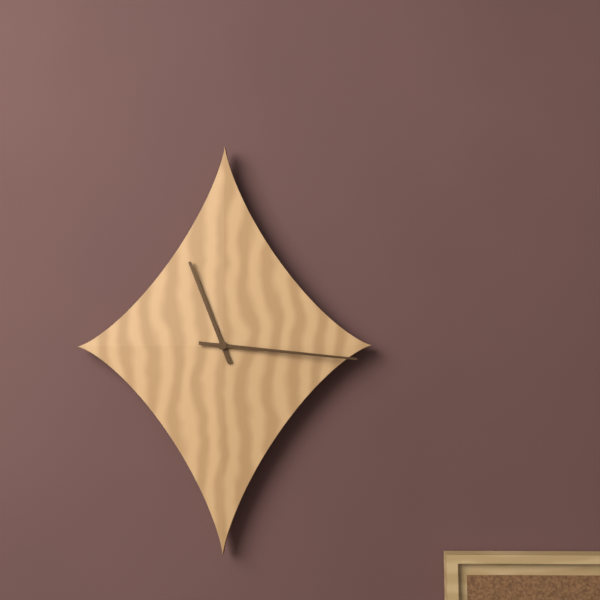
11h16
